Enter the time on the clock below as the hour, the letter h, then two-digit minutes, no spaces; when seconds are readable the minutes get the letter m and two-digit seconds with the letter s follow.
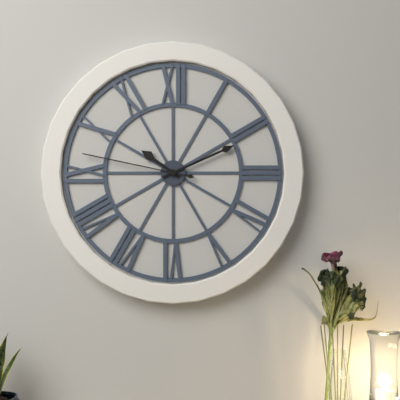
10h11m47s
